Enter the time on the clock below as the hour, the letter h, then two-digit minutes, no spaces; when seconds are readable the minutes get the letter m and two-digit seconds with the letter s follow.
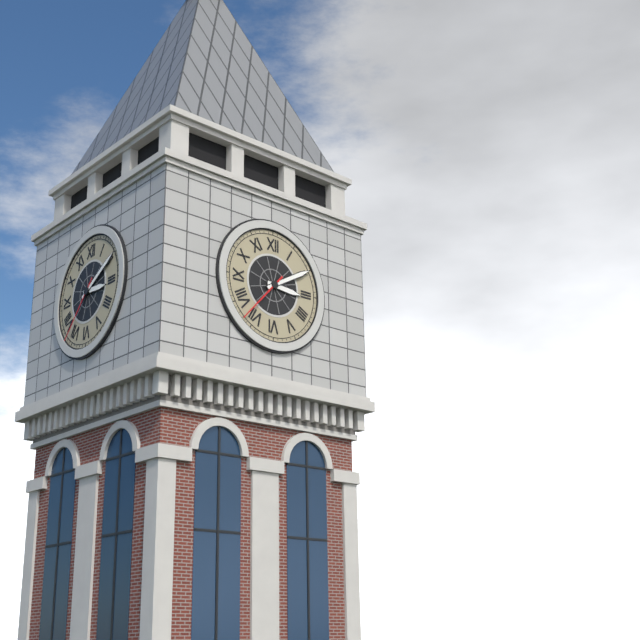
3h10m37s
